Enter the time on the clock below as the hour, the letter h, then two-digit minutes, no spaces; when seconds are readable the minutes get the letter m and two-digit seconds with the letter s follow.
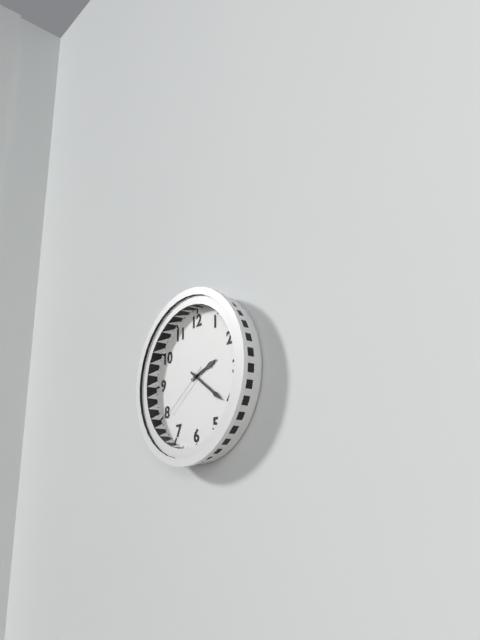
2h21m39s
